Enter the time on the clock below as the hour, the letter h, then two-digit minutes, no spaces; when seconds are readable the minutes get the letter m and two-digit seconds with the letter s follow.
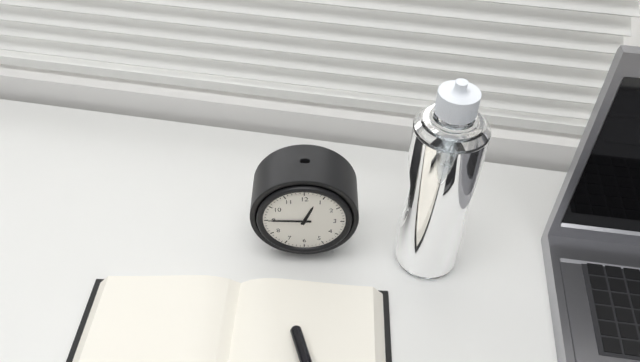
12h45
